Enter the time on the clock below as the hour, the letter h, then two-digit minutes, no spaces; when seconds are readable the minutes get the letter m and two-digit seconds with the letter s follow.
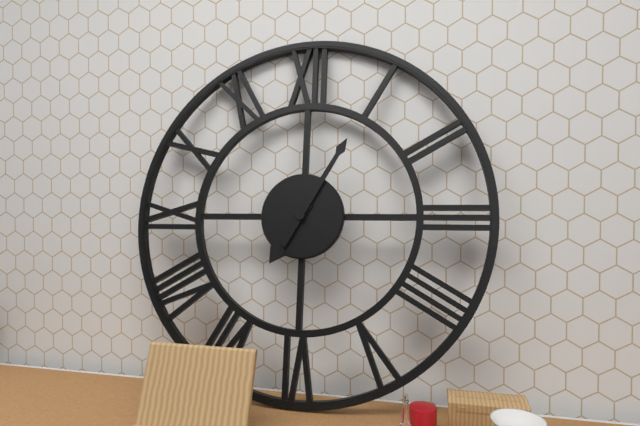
7h05
